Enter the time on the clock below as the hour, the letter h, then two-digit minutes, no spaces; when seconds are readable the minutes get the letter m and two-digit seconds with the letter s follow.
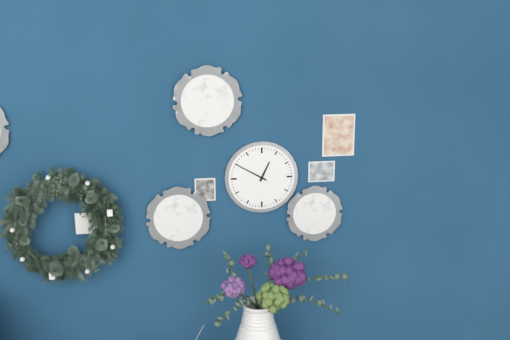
12h50
